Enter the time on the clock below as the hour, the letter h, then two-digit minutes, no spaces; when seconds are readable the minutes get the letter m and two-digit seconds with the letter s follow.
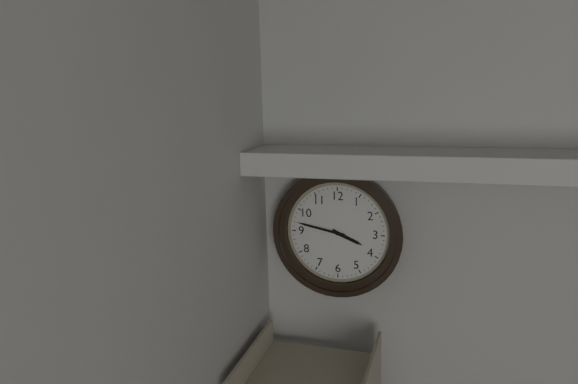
3h47
